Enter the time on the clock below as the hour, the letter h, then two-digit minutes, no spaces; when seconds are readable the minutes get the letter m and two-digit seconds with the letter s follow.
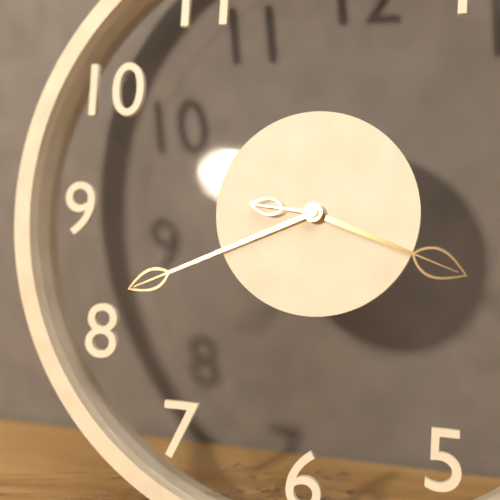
3h41m46s
